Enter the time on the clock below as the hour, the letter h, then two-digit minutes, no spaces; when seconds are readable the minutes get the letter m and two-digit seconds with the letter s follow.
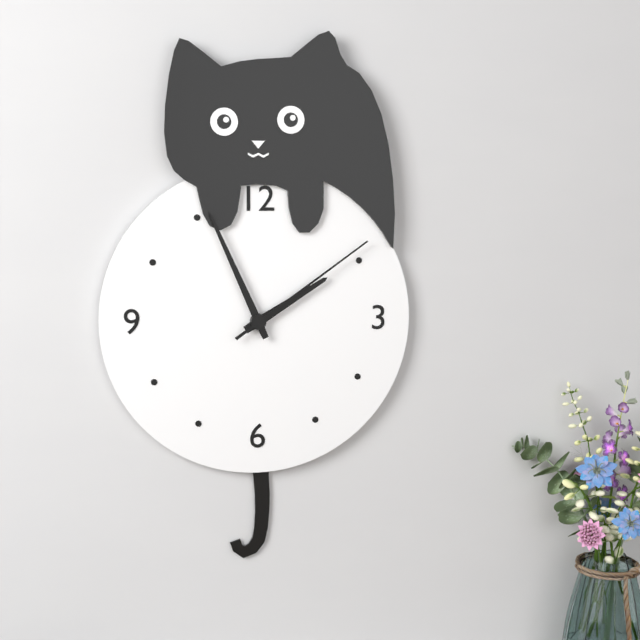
1h56m09s
